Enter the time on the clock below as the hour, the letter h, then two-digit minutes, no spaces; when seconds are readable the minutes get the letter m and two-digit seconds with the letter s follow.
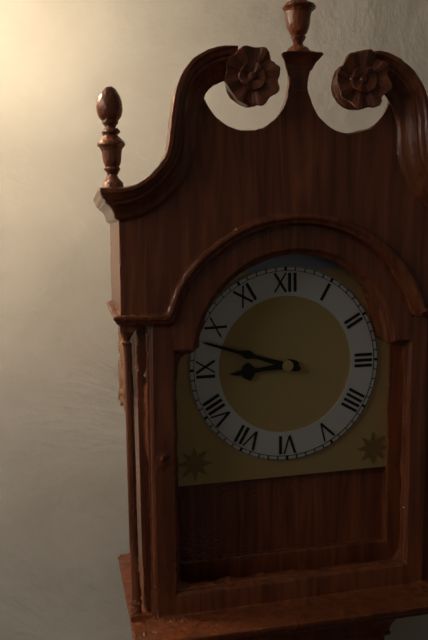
8h48
